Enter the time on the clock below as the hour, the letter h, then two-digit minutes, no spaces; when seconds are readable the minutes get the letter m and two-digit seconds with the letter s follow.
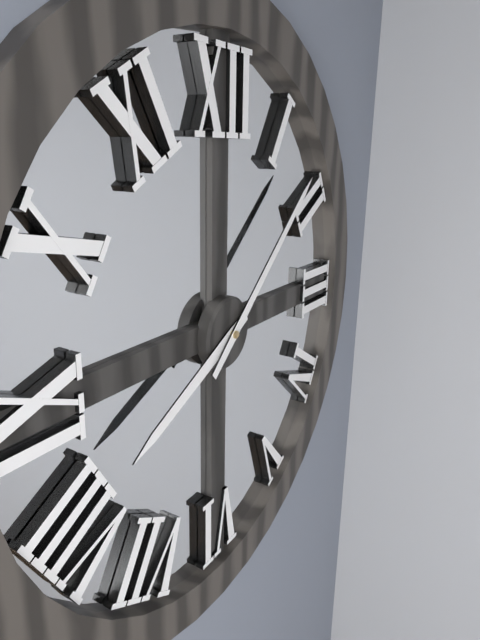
8h08
